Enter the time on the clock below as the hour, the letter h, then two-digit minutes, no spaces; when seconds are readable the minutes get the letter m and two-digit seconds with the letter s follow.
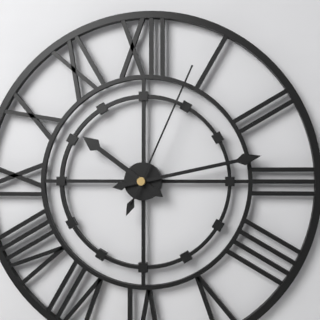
10h13m04s
